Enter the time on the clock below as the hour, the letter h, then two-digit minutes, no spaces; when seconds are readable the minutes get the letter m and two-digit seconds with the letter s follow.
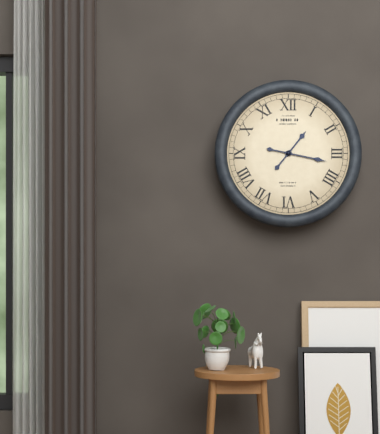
1h17
